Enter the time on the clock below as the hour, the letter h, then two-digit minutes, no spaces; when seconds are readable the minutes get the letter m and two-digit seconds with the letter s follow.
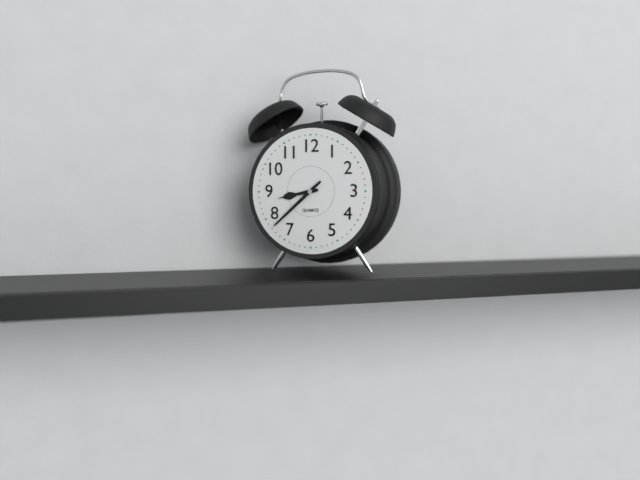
8h38
